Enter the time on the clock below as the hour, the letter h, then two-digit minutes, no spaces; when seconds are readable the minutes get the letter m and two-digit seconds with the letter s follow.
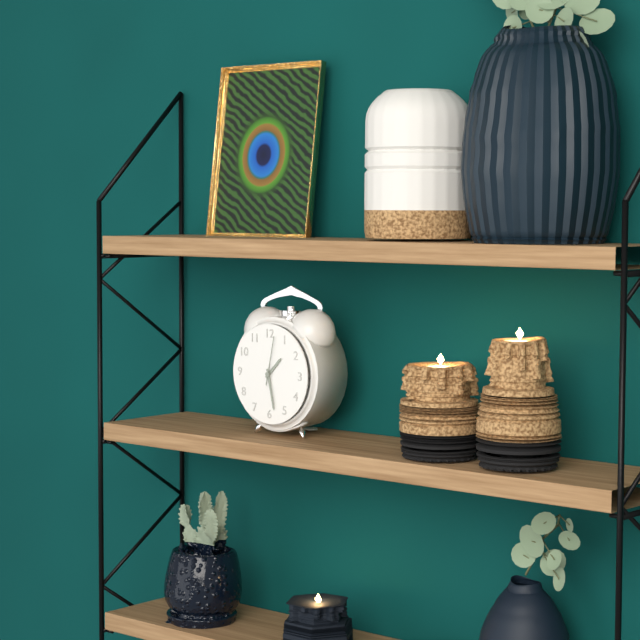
1h28
